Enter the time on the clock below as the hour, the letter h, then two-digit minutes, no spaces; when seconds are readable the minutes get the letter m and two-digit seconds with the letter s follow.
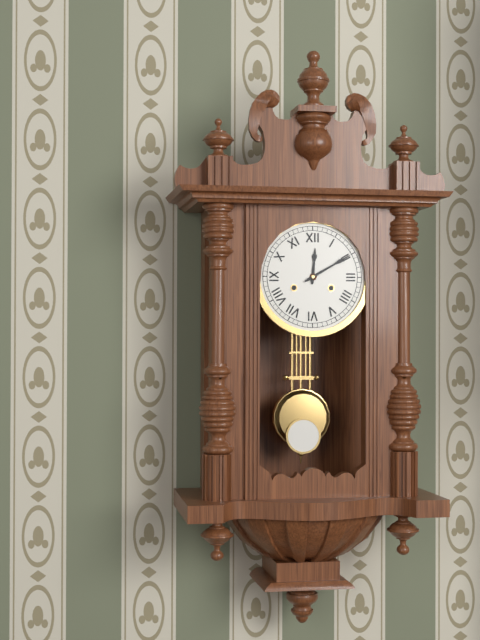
12h10
